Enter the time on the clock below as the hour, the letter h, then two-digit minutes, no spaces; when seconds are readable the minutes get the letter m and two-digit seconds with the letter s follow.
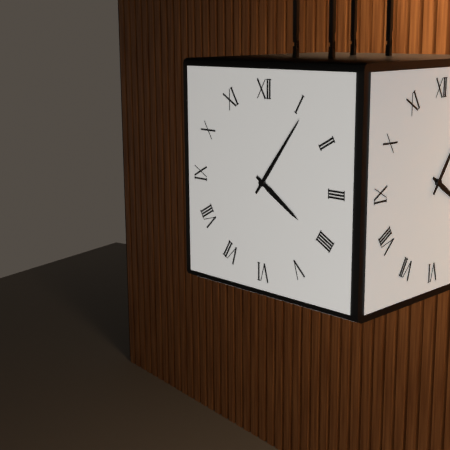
4h06
